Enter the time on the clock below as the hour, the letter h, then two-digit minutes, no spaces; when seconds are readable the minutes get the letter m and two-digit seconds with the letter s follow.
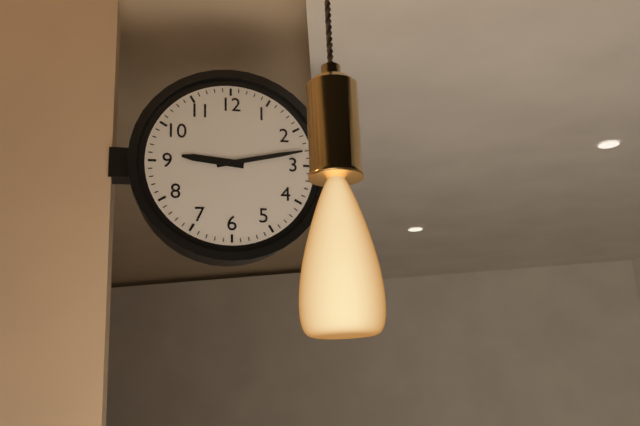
9h13
